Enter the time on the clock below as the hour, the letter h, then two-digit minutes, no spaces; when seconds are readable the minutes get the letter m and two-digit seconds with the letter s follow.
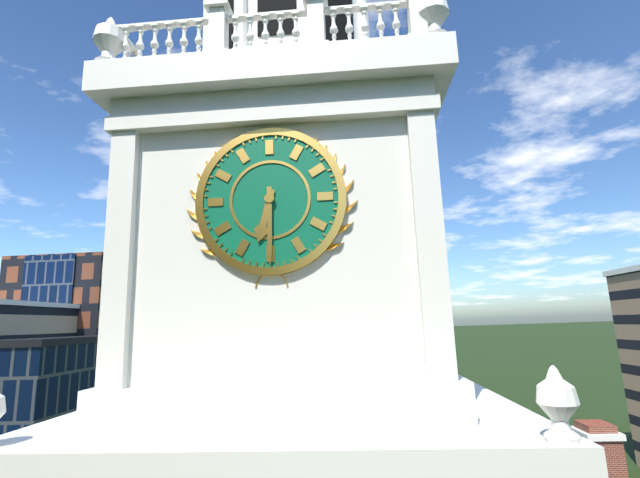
6h30
